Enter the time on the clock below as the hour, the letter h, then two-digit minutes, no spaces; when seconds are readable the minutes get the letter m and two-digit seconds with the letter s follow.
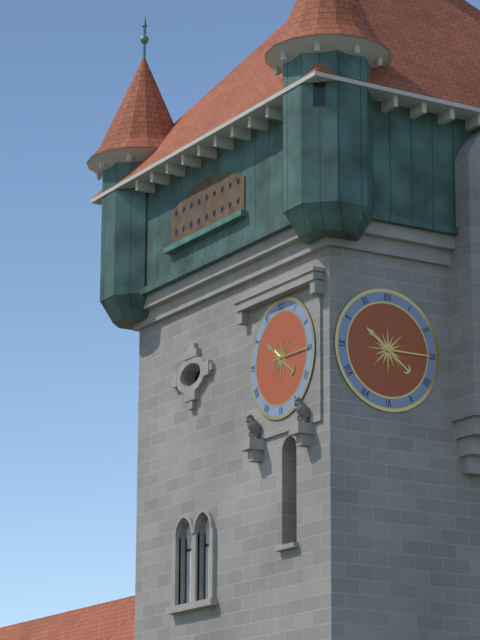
10h15
